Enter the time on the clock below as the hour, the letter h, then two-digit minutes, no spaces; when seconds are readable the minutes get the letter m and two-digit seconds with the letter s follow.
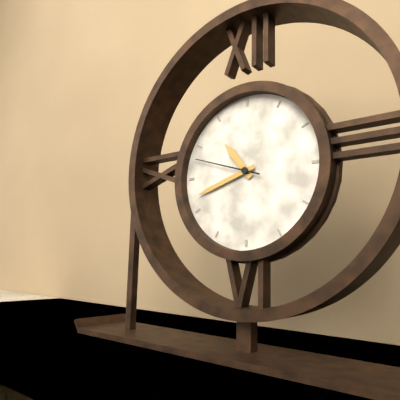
10h42m48s
